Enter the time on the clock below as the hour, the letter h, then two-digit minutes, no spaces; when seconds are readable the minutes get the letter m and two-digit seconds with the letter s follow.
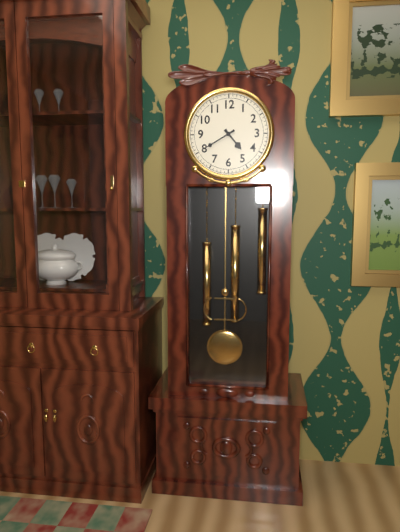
4h40
